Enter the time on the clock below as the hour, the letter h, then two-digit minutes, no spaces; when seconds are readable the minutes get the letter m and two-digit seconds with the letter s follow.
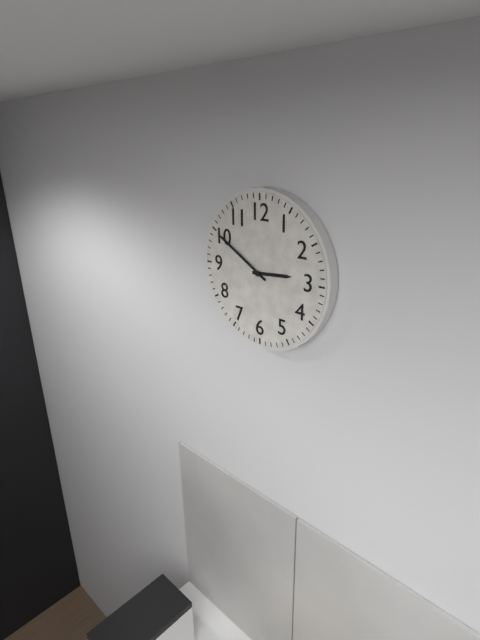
2h50
